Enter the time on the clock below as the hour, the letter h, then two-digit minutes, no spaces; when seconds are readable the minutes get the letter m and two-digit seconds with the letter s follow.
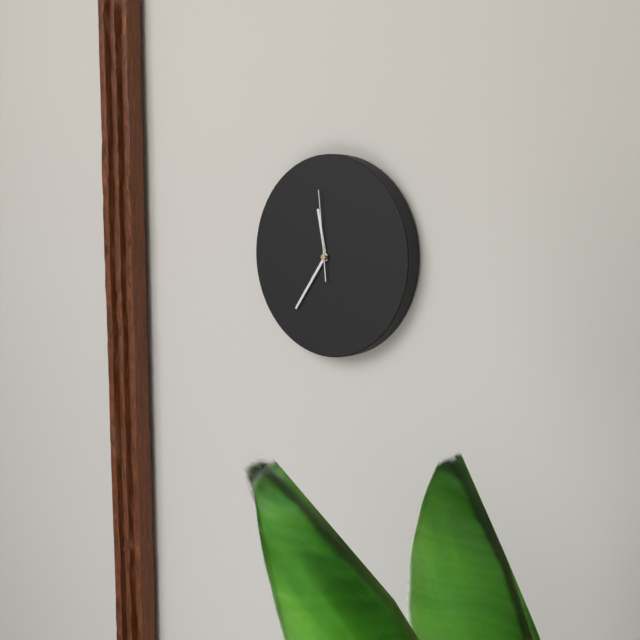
11h36m59s
